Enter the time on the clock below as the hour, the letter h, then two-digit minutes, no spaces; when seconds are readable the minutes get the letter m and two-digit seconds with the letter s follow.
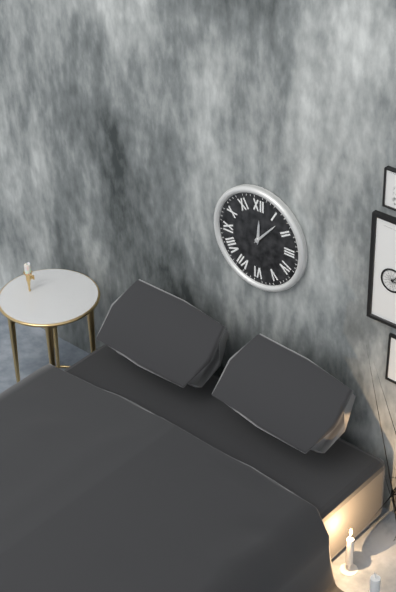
12h07
